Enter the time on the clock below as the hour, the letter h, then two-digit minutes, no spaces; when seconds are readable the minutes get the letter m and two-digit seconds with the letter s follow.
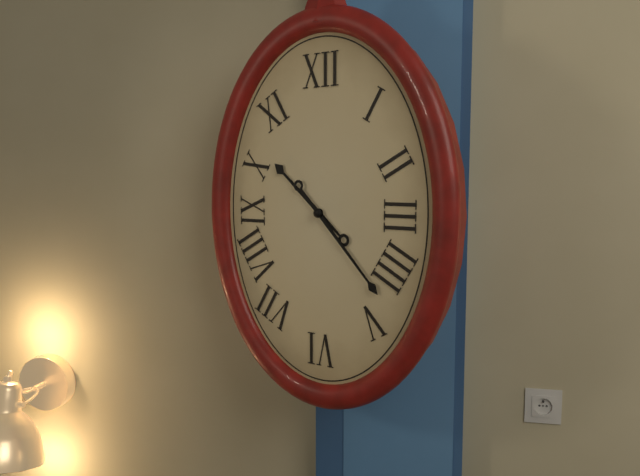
10h23
